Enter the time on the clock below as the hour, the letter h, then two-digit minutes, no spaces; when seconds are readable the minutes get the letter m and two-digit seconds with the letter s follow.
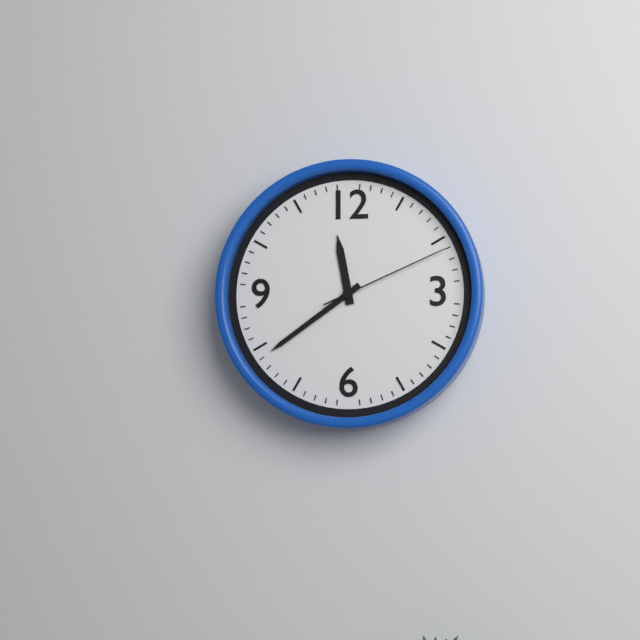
11h39m11s
